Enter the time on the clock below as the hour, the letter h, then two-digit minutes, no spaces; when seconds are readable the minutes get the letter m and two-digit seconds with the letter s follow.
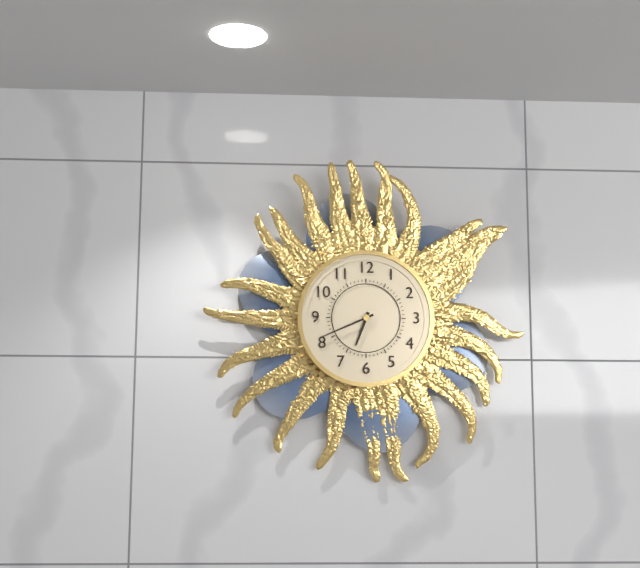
6h41
